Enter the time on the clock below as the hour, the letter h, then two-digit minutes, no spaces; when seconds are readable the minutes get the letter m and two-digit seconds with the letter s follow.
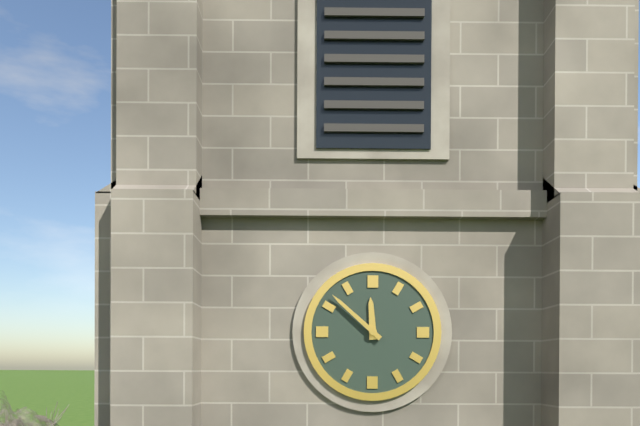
11h52
